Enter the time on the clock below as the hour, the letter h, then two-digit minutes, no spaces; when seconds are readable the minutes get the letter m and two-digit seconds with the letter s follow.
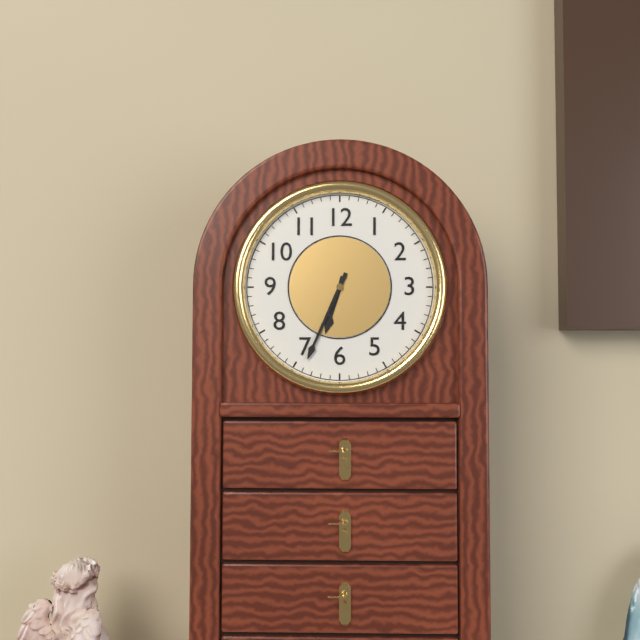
6h34
